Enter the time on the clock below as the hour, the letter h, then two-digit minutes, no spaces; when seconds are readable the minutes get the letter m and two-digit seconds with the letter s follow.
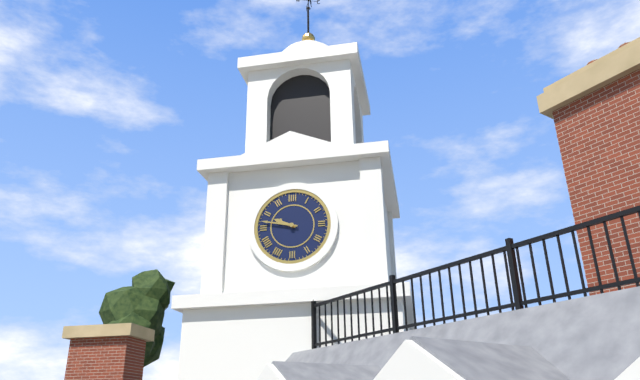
9h47
